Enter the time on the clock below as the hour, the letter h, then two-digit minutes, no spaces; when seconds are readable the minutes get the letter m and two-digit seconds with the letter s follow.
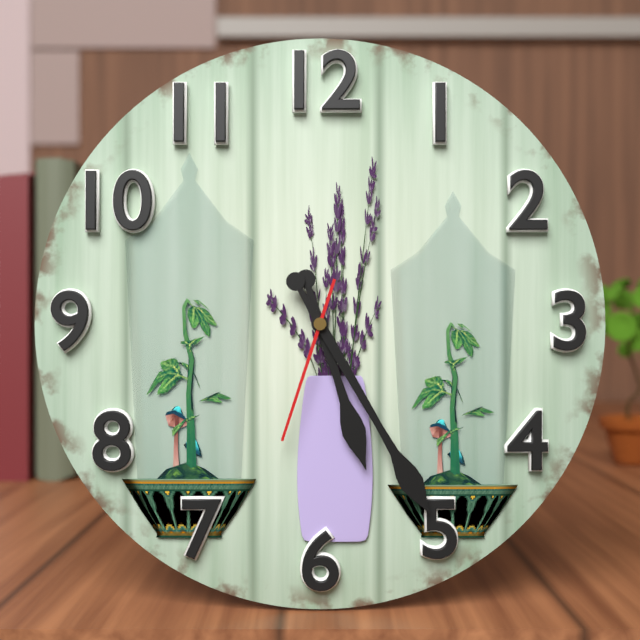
5h25m33s
